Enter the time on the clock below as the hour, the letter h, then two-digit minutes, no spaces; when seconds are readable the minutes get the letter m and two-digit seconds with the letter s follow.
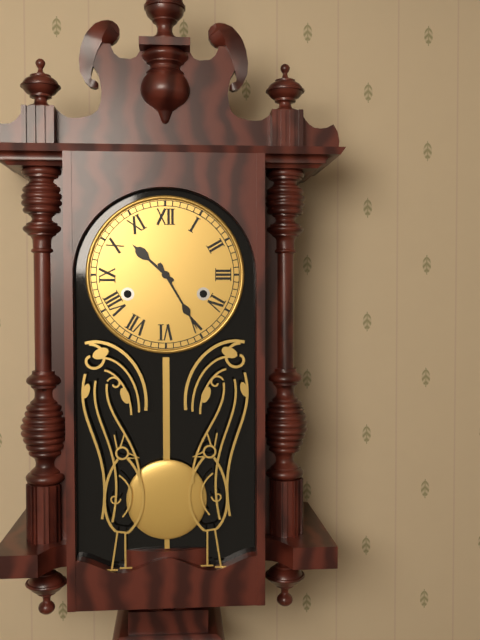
10h25
